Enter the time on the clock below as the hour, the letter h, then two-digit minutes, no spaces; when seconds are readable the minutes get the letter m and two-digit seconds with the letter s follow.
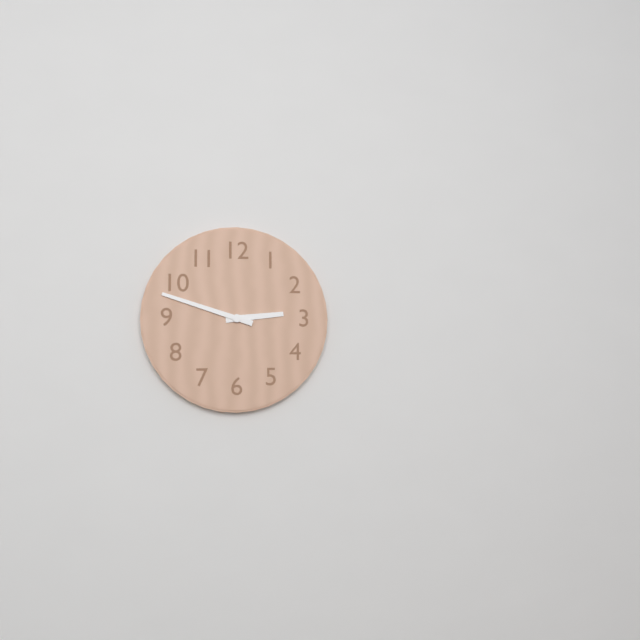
2h48
